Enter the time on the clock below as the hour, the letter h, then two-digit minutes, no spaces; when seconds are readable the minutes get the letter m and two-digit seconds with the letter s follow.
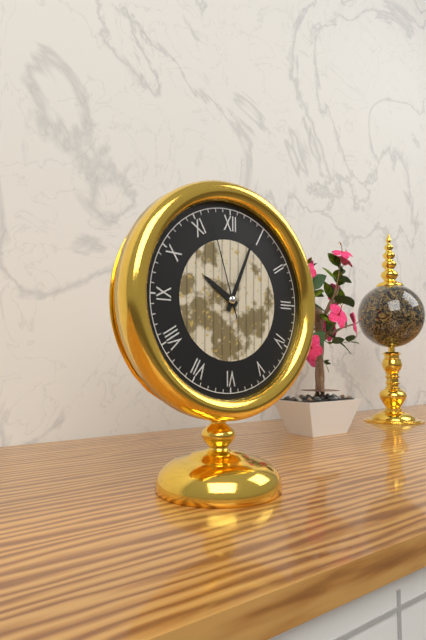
10h04m57s
